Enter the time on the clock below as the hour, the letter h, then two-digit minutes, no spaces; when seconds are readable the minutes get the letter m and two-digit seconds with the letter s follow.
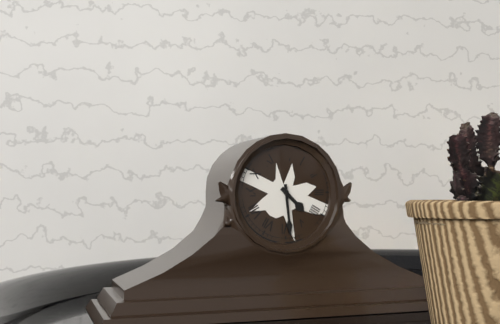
4h29
